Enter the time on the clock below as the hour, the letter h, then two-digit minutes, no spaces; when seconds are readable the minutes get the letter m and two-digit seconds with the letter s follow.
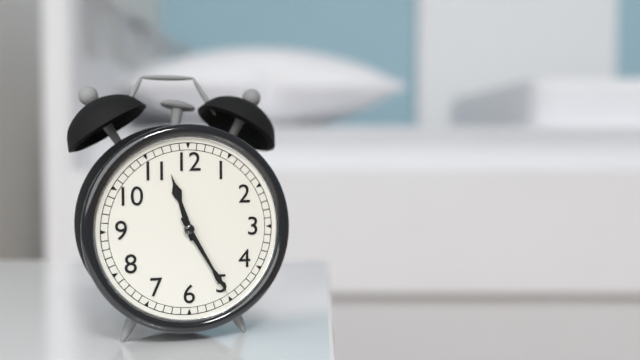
11h25
